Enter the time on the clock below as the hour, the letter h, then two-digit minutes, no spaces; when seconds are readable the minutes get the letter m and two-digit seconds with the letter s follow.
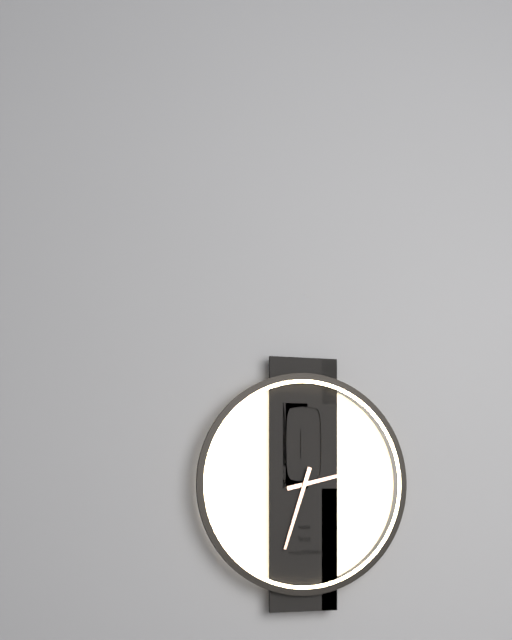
2h33
